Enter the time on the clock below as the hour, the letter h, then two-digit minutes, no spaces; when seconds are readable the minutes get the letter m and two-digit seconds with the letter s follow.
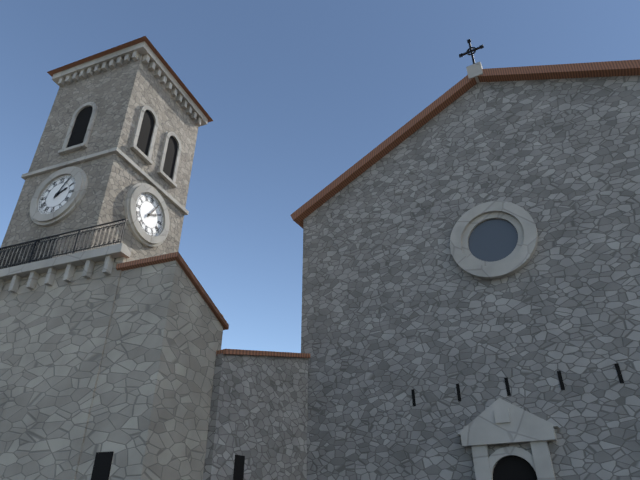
2h05
